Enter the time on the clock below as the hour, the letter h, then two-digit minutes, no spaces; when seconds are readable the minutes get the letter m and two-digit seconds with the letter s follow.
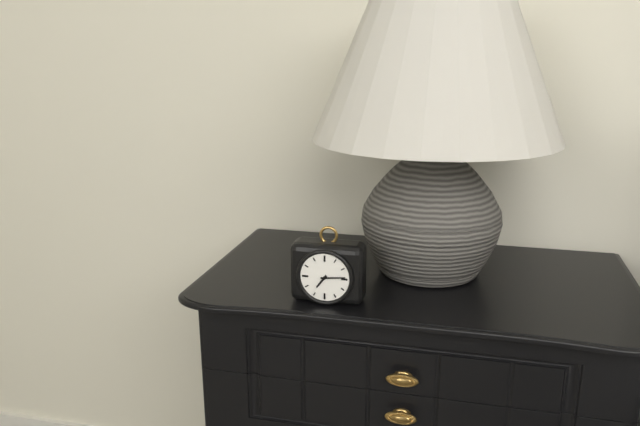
7h14
